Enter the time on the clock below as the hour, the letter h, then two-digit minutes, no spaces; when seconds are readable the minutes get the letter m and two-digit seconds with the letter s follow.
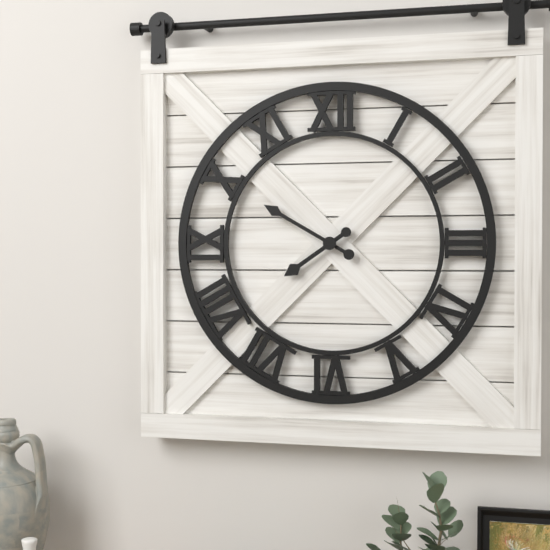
7h50
